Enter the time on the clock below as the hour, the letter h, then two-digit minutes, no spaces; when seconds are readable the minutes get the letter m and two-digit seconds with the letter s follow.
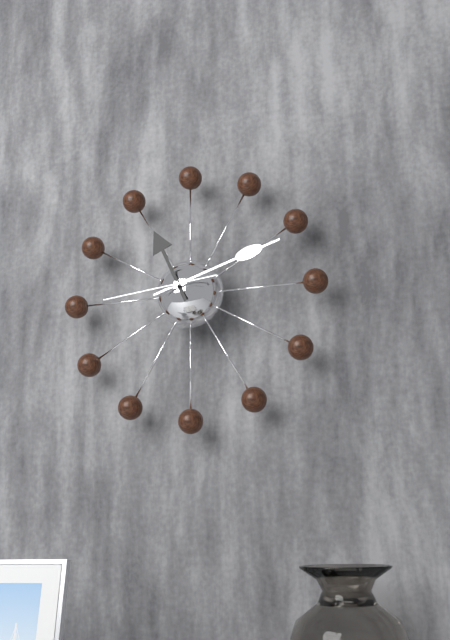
11h12m44s
